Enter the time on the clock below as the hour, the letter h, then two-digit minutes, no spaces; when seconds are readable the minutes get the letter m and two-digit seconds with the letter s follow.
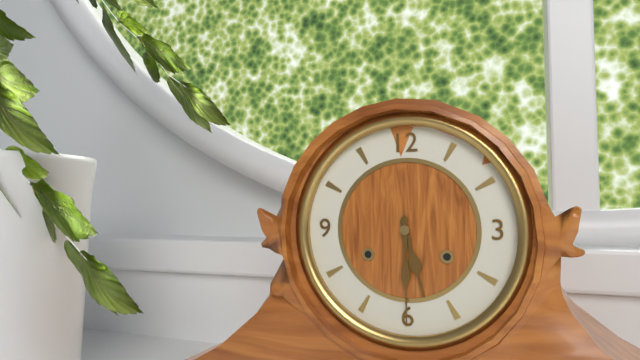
5h30
